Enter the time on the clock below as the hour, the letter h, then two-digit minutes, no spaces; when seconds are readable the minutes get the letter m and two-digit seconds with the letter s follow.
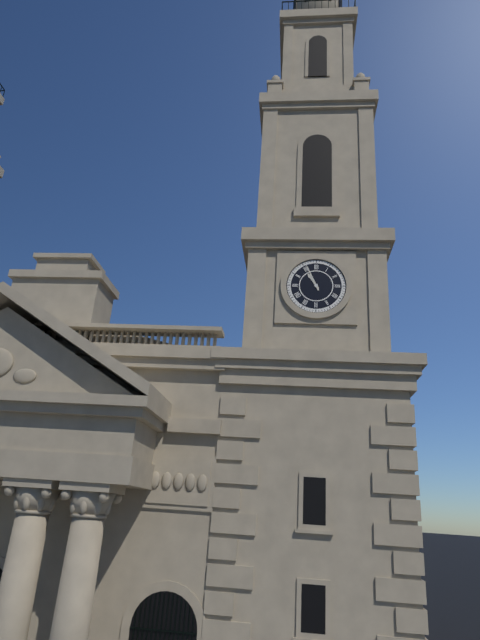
10h56
